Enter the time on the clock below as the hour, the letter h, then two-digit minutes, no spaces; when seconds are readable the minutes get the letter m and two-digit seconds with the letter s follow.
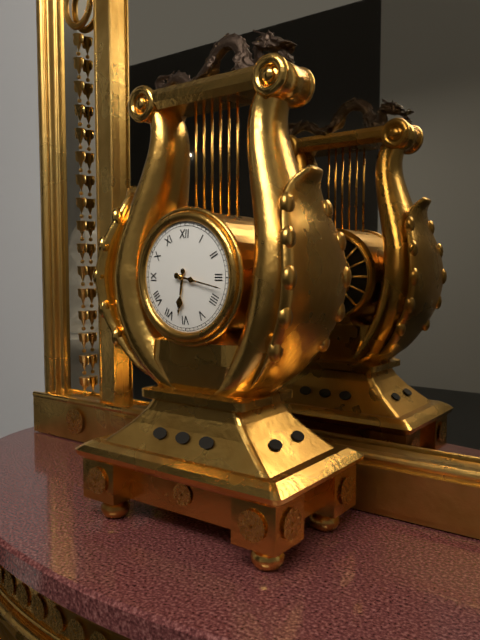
6h17
